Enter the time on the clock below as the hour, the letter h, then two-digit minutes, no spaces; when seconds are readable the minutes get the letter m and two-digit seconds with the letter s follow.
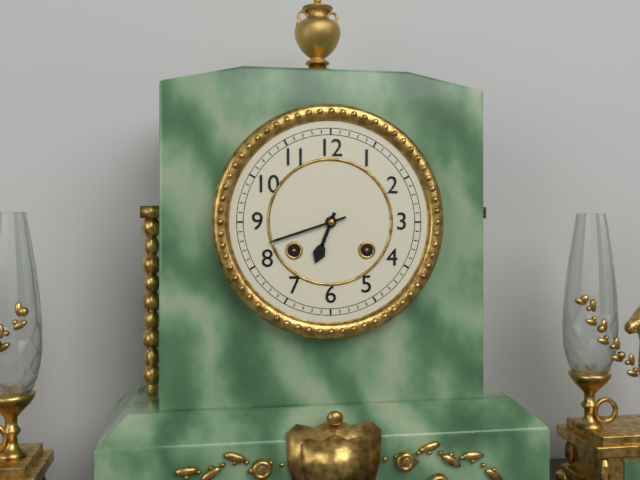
6h42
